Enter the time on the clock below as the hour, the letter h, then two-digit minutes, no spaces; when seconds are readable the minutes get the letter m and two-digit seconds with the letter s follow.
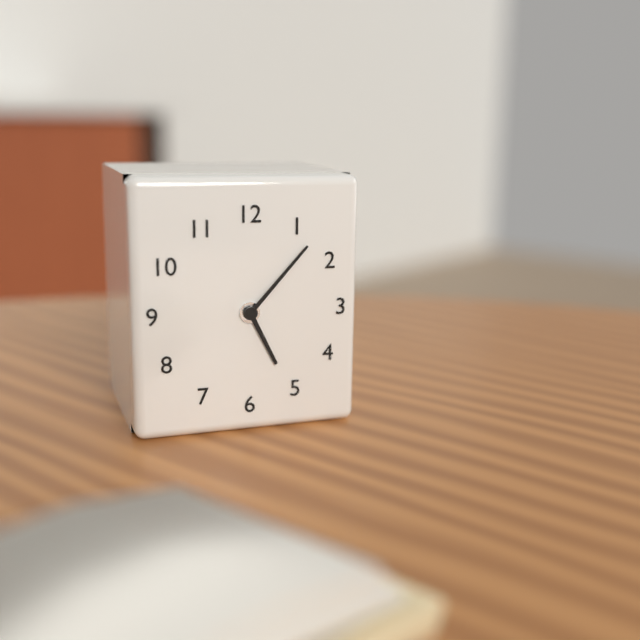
5h07
